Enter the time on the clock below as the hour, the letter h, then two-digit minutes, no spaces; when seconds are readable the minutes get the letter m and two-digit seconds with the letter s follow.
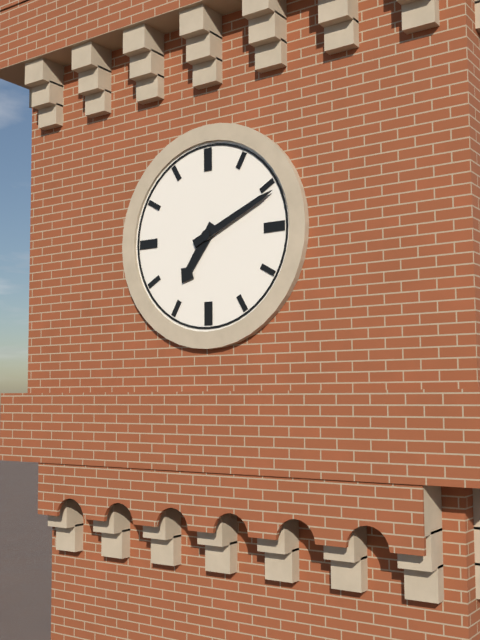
7h11
